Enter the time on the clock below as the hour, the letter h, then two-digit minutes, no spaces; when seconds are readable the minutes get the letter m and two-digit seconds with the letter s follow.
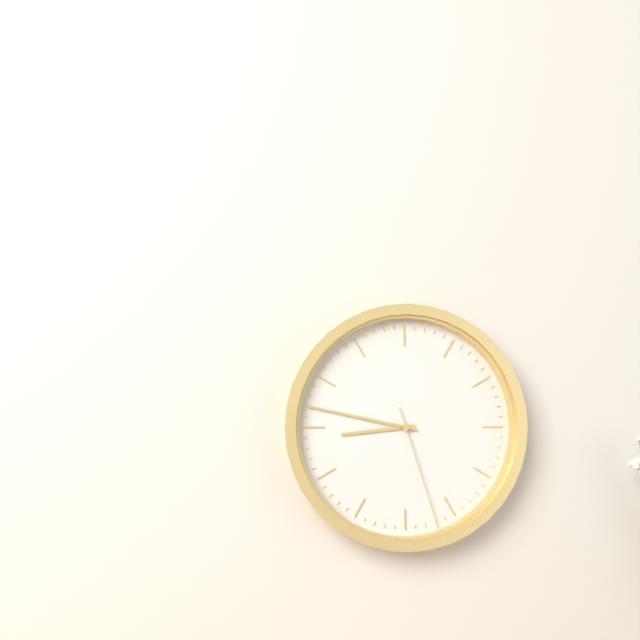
8h47m27s
